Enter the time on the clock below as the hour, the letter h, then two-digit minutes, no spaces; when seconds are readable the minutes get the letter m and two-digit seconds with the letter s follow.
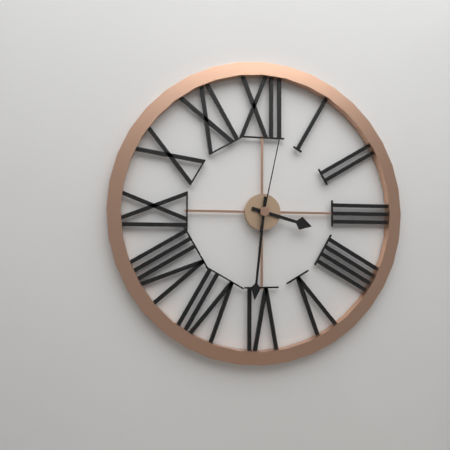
3h31m02s
